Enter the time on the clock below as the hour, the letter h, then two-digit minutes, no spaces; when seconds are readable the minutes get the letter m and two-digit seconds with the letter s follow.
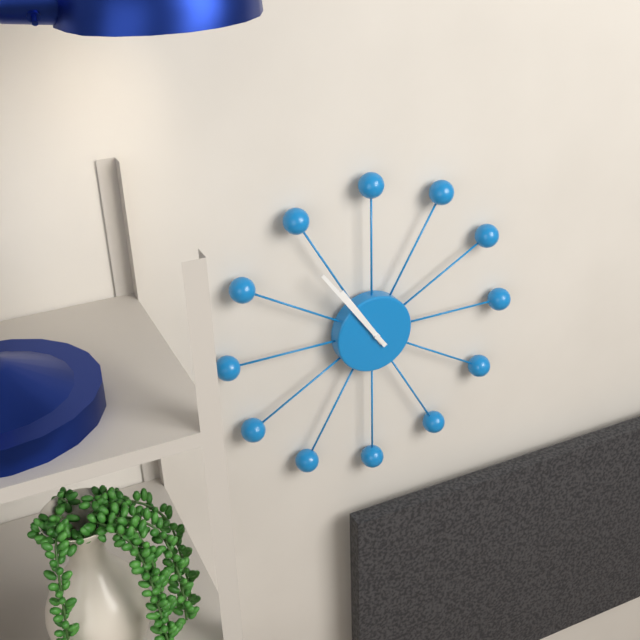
10h54
